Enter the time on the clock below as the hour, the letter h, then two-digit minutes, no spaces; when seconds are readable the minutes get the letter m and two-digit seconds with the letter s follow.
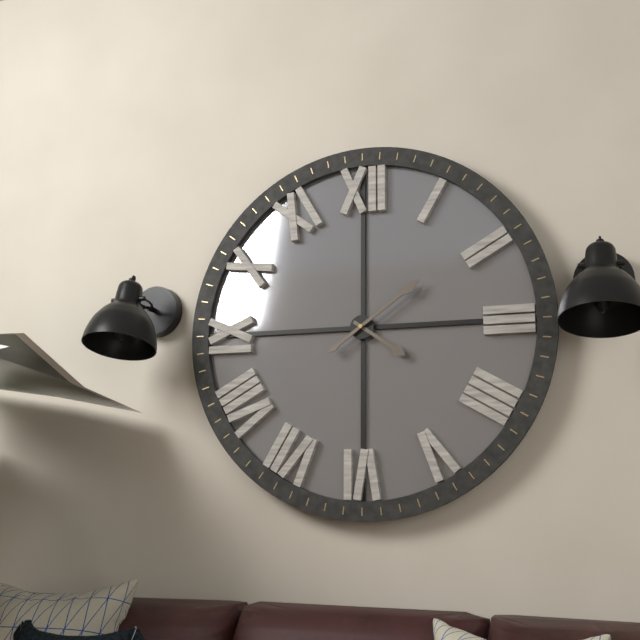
4h09
